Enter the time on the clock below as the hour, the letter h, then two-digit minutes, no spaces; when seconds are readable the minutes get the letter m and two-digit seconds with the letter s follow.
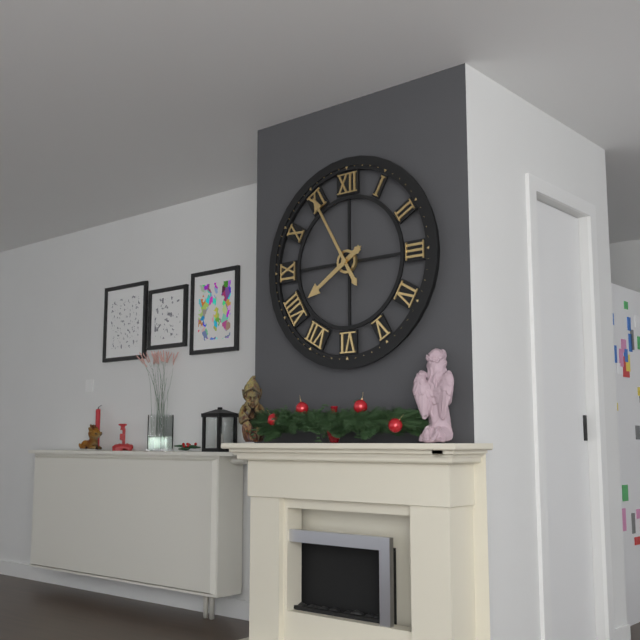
7h55
